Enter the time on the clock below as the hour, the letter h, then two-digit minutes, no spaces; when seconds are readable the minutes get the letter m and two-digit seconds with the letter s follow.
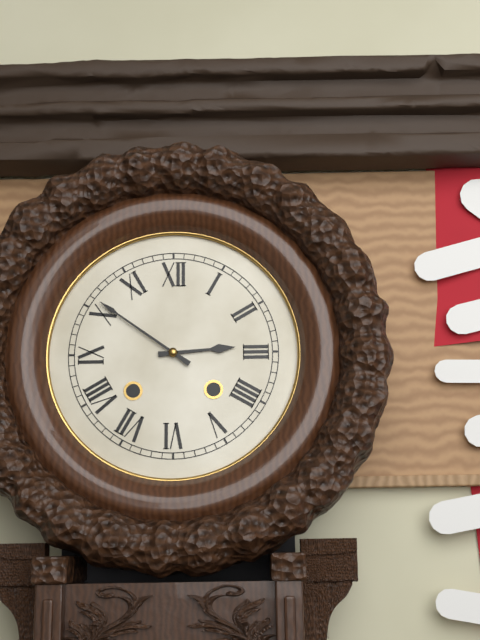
2h51
